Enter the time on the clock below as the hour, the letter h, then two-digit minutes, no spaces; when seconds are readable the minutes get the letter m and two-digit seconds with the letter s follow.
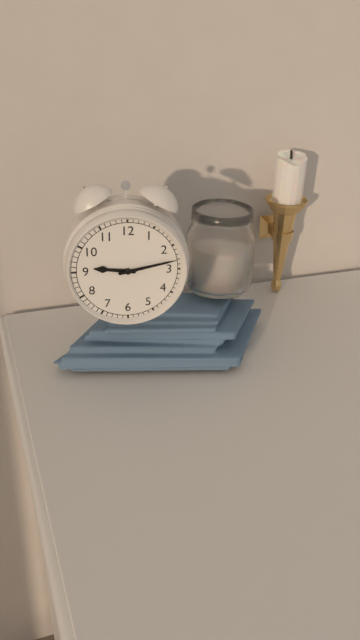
9h13
